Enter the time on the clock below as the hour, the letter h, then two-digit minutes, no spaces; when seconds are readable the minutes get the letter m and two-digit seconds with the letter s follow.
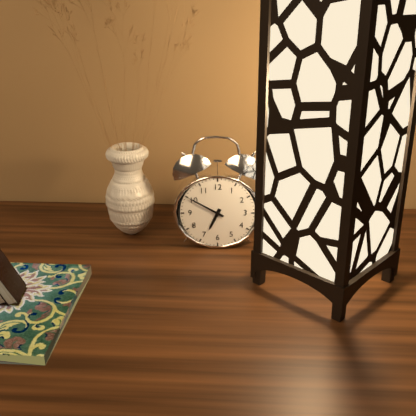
6h50
